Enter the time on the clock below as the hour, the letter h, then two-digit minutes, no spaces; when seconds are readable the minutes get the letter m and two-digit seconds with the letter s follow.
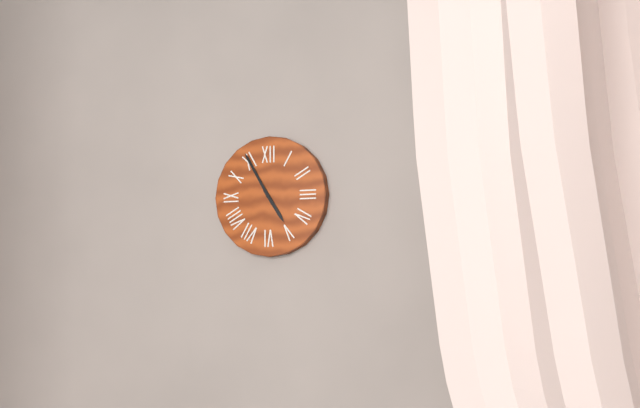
4h55
